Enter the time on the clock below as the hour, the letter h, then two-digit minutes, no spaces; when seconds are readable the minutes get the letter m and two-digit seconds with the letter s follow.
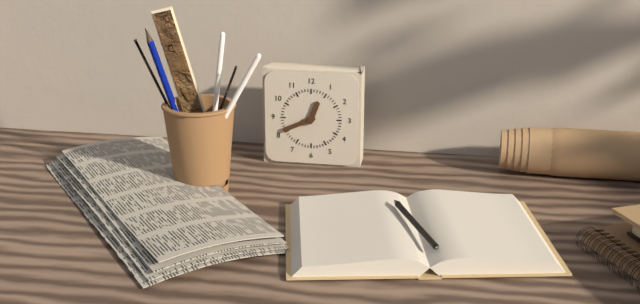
12h41
